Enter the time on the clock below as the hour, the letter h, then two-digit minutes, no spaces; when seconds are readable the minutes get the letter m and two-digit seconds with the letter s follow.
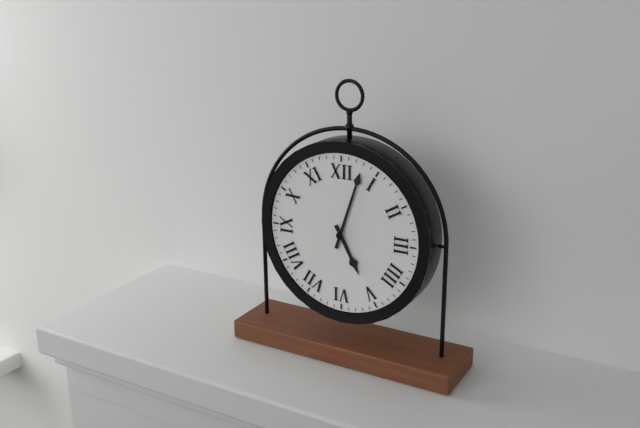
5h03
